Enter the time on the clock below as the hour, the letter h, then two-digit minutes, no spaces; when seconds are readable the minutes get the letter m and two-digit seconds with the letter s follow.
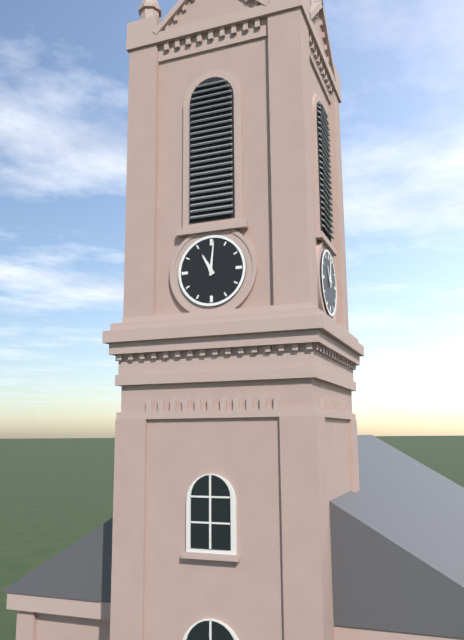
11h01
